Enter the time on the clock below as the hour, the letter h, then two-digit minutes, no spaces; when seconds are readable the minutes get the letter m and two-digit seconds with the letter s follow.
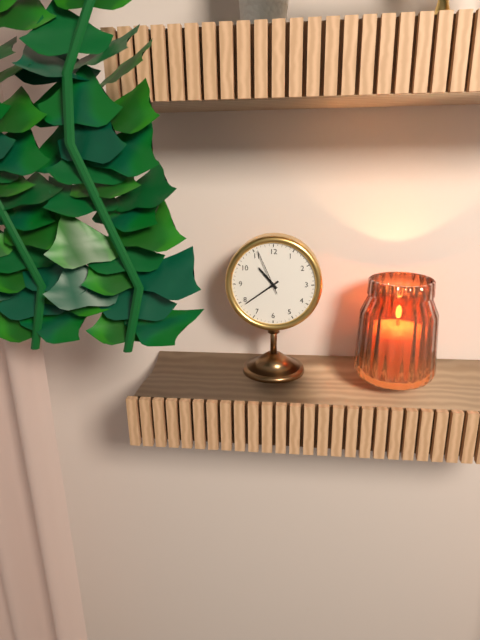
10h39
